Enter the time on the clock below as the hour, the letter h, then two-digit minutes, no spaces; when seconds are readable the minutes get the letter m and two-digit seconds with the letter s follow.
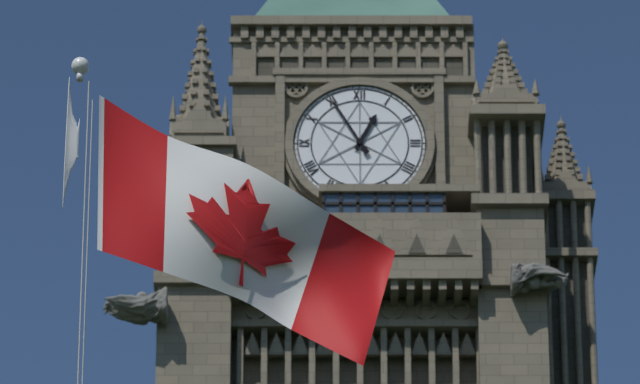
12h55
